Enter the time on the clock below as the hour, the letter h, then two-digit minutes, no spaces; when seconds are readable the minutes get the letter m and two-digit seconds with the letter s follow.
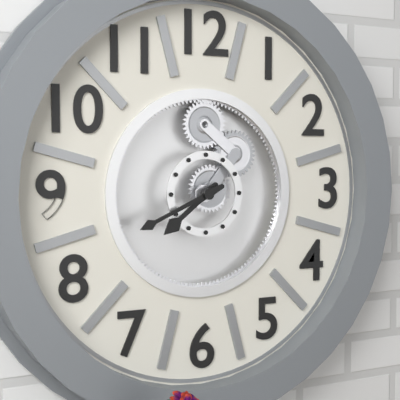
7h41
